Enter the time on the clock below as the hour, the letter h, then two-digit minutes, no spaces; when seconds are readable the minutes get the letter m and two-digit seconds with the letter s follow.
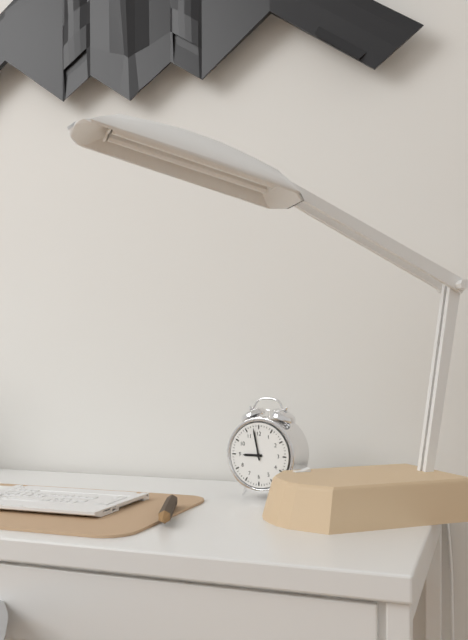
8h58
